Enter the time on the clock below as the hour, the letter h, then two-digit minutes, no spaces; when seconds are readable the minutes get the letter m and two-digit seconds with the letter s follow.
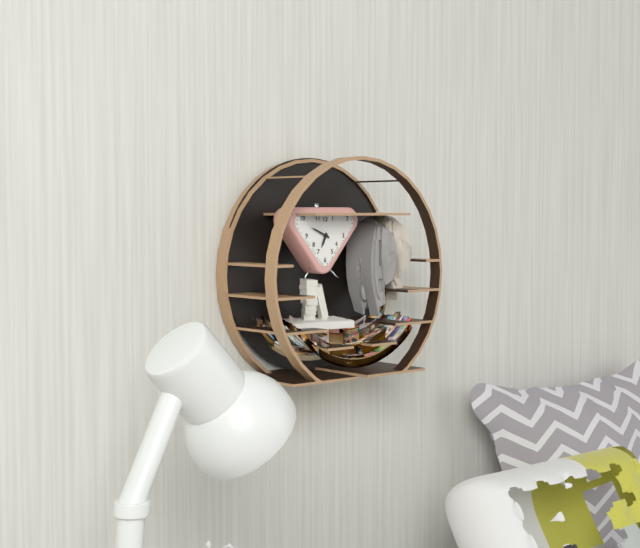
6h49
